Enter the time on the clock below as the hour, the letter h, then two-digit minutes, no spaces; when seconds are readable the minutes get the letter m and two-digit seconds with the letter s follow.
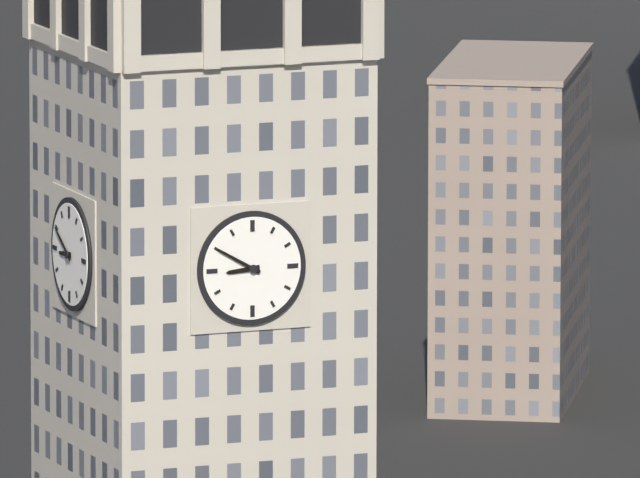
8h50
